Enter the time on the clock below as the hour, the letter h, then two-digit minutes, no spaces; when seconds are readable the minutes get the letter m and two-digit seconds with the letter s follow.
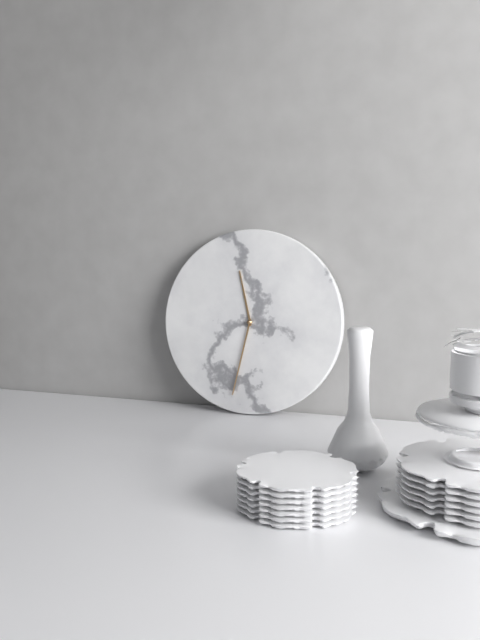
11h32
